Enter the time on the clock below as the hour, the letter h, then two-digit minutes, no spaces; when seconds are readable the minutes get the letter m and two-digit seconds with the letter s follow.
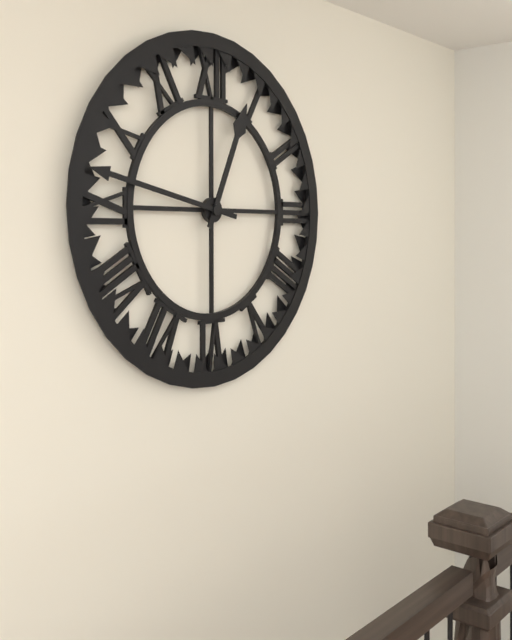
12h47
